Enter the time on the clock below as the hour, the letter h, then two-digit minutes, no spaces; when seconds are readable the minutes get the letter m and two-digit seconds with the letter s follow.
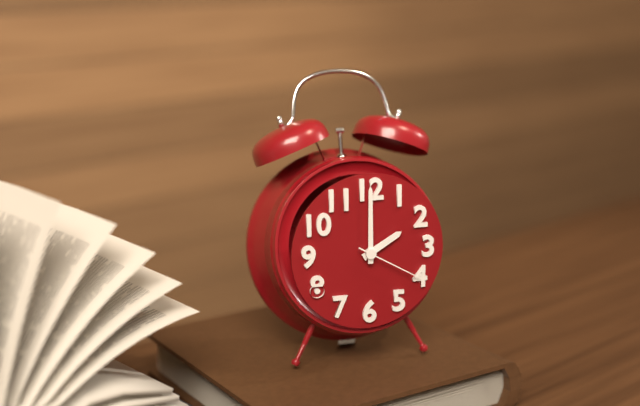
2h00m20s
